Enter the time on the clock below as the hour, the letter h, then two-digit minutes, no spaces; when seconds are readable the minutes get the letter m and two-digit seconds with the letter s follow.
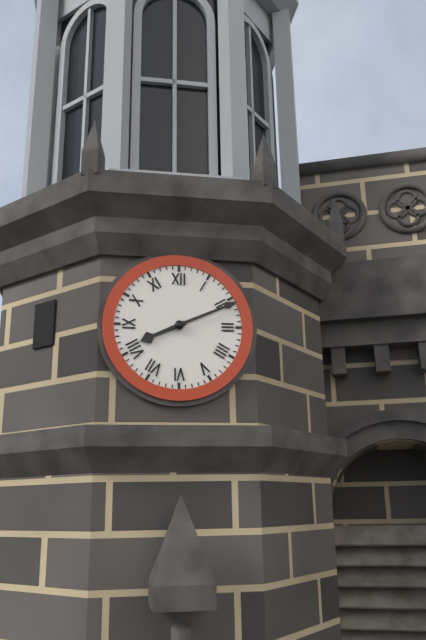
8h11
